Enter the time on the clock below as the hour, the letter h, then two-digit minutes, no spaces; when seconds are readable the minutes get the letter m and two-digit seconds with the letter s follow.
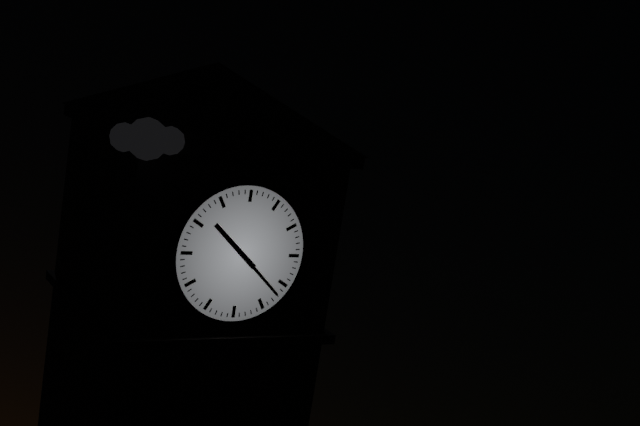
10h22
